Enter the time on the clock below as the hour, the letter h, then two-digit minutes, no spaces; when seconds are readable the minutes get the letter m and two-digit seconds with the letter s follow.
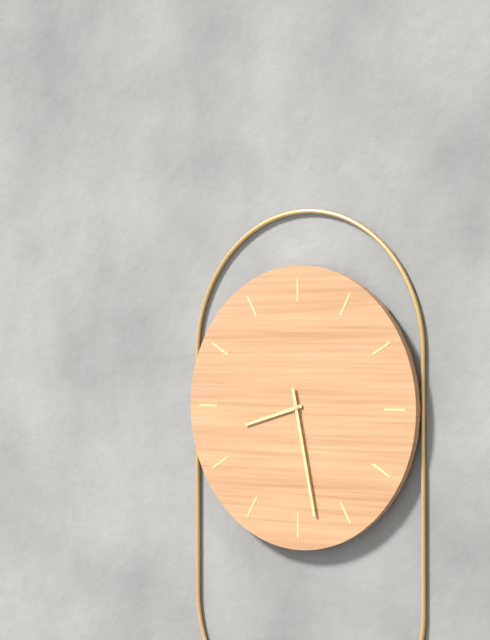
8h28
